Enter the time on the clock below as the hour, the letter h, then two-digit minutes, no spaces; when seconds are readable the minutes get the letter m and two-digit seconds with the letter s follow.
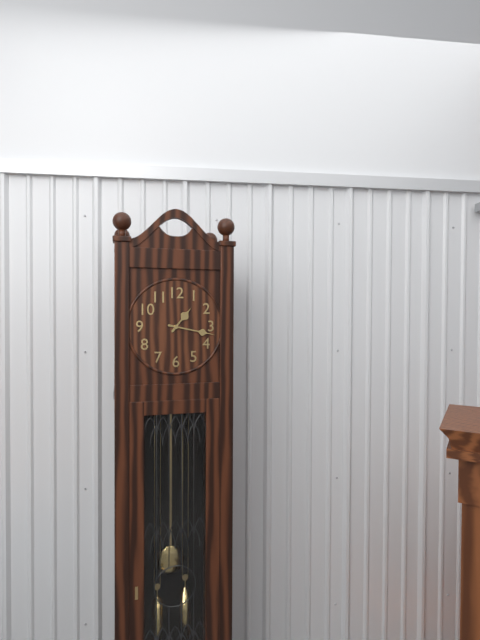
1h17
